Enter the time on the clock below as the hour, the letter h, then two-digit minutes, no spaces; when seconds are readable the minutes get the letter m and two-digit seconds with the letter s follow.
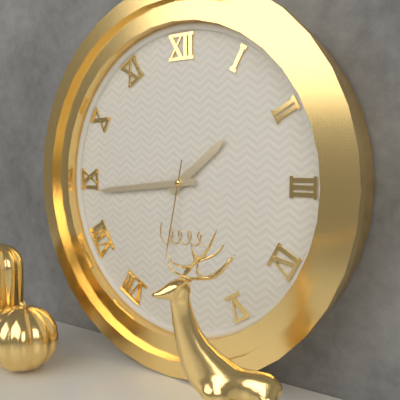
1h44m32s
